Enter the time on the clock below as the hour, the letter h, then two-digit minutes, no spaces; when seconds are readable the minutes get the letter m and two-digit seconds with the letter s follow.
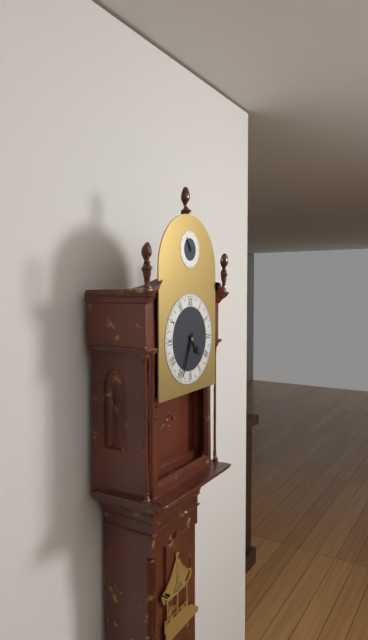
4h34
